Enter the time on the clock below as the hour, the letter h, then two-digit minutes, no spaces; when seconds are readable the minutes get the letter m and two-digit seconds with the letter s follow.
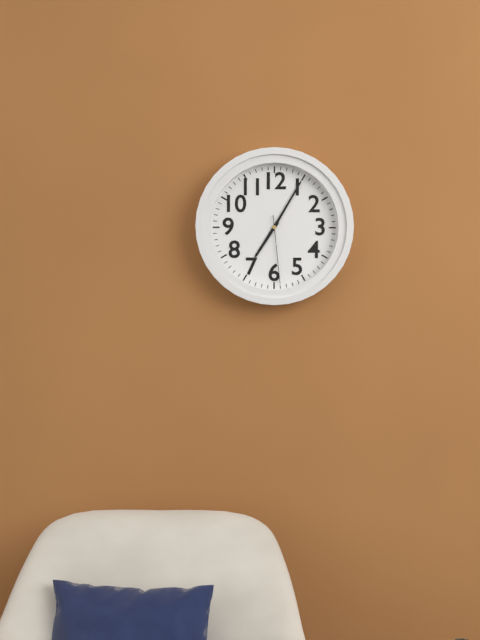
7h05m29s
